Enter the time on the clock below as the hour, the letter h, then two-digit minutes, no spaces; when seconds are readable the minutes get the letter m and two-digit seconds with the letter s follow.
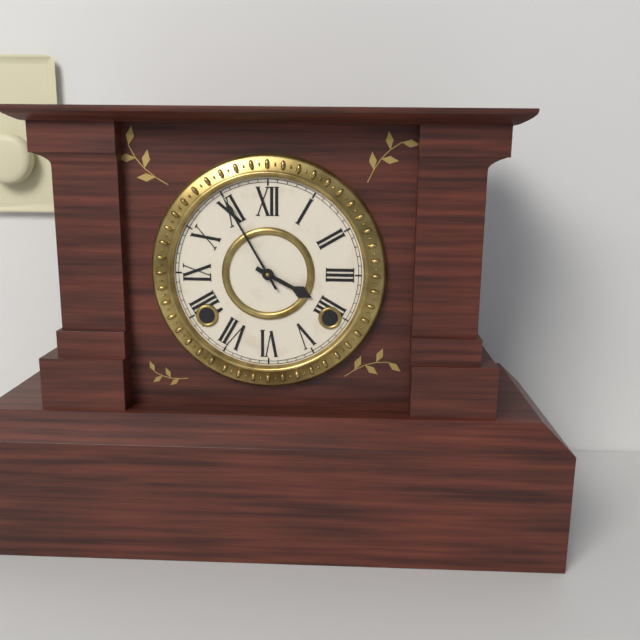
3h55
